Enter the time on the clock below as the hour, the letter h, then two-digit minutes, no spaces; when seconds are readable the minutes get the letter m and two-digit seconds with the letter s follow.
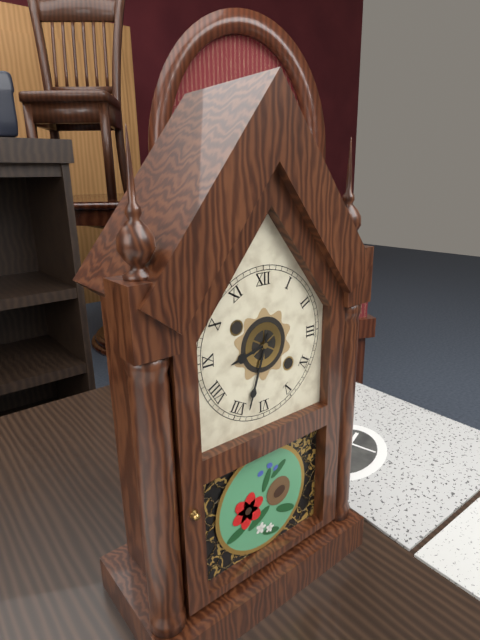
8h33
